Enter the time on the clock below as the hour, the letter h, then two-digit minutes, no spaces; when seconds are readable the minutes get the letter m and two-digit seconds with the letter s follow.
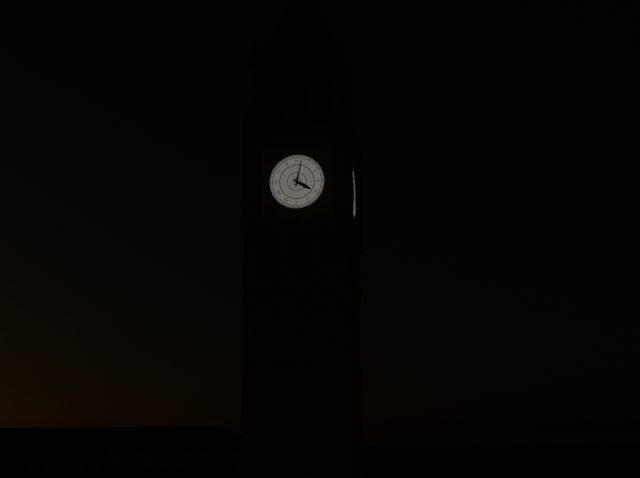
4h02
